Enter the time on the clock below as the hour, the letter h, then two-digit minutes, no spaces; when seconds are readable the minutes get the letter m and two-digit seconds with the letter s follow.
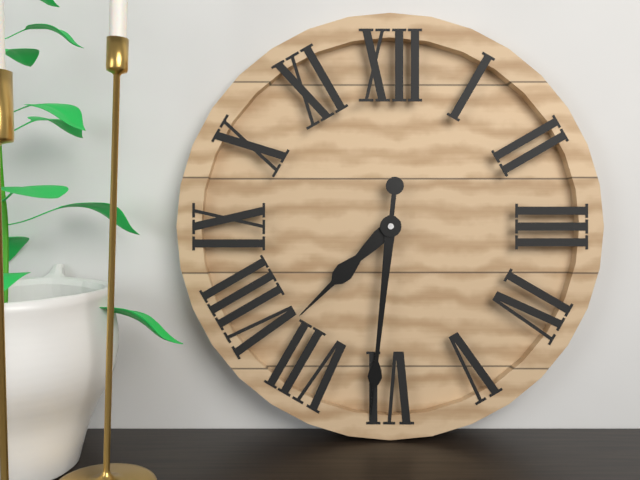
7h31
